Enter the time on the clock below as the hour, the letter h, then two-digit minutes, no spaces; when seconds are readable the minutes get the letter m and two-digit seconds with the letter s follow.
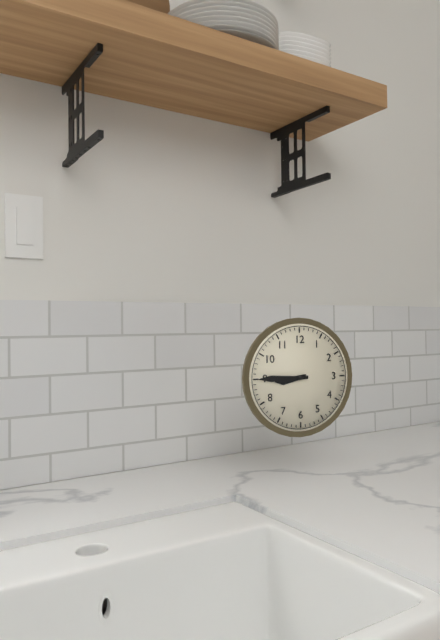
8h45
